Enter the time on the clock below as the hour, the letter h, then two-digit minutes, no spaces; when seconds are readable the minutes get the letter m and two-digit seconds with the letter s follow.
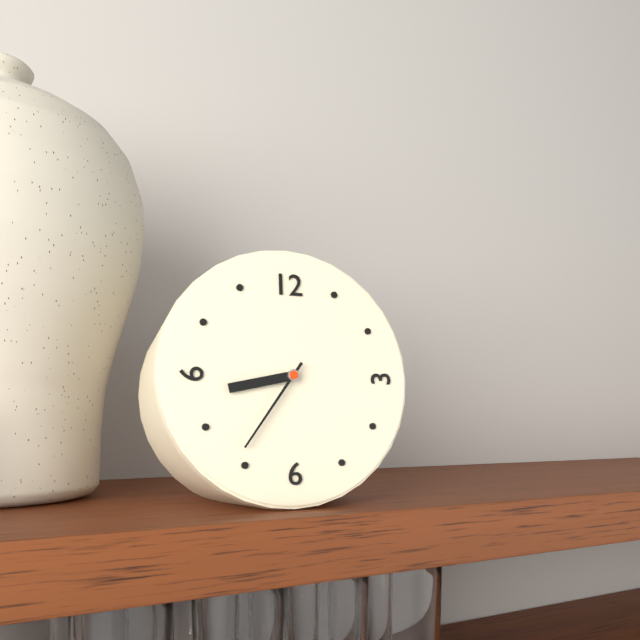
8h36
